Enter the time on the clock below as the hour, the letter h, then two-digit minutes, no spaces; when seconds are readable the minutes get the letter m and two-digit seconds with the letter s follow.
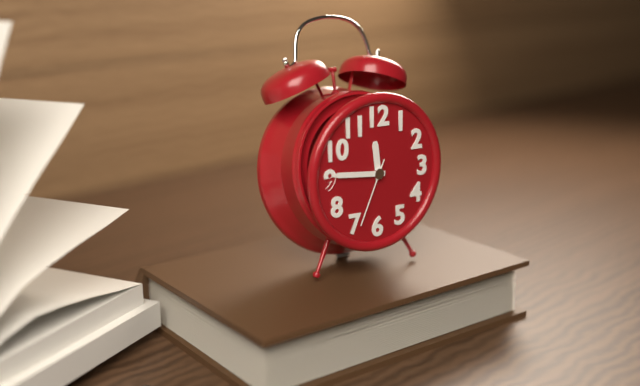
11h46m34s
